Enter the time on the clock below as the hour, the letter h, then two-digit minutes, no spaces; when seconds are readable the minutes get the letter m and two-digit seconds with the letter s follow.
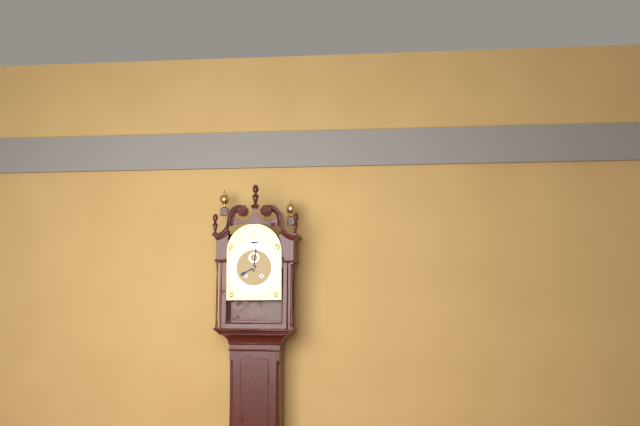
8h01
